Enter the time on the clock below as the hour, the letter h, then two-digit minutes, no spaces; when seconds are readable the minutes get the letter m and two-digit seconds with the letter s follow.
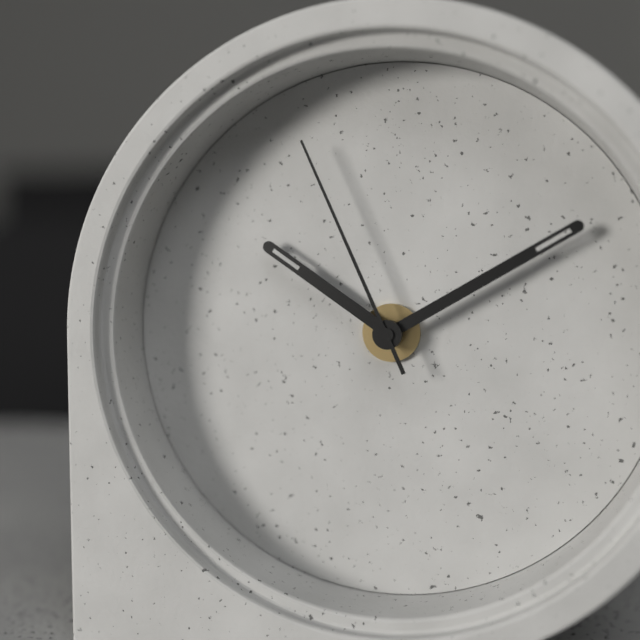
10h10m56s
